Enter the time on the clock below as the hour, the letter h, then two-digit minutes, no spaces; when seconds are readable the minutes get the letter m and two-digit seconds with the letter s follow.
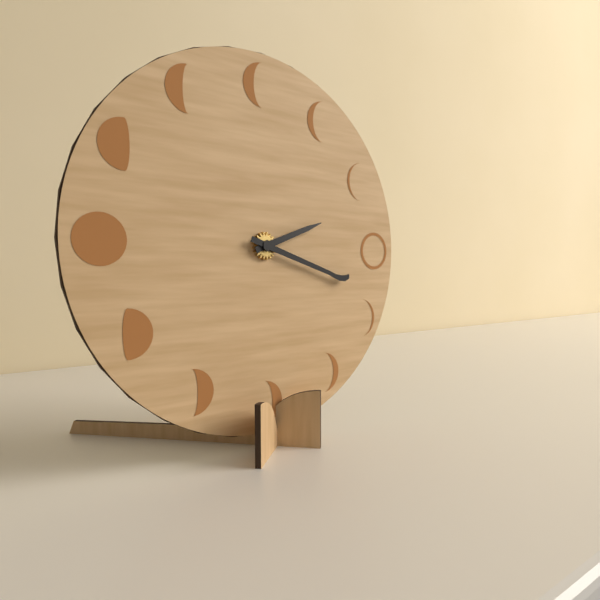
2h18
